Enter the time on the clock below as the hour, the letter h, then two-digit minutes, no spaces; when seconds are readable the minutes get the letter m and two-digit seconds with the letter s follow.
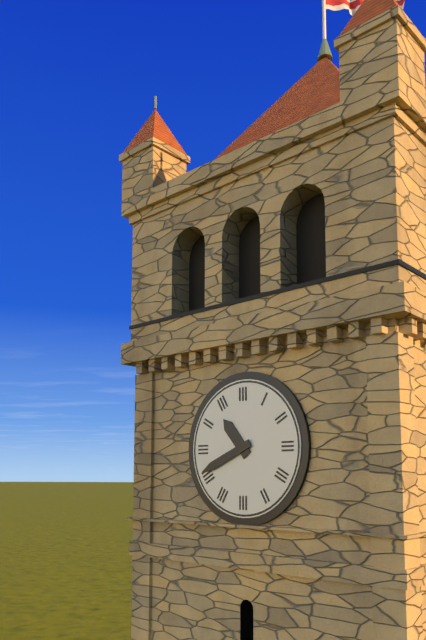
10h41
